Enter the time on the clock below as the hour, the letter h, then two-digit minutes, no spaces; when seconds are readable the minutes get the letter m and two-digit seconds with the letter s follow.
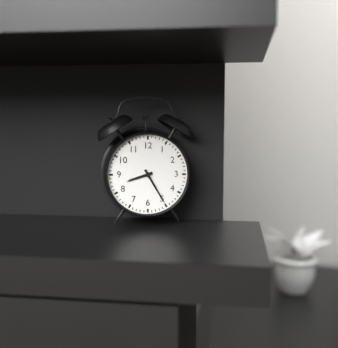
8h25
